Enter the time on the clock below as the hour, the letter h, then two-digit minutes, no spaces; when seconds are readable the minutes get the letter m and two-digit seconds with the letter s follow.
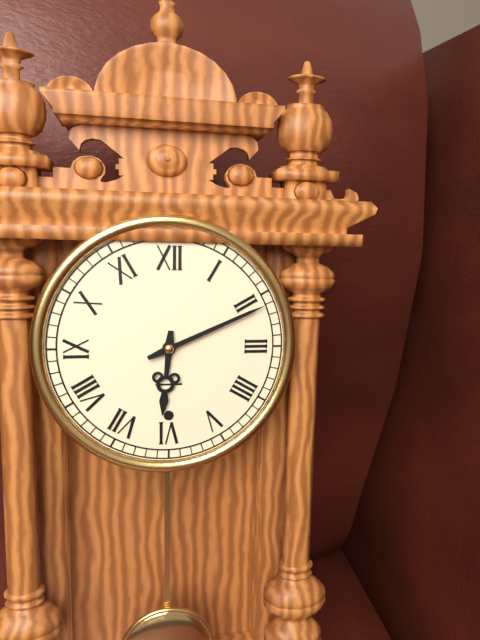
6h11
